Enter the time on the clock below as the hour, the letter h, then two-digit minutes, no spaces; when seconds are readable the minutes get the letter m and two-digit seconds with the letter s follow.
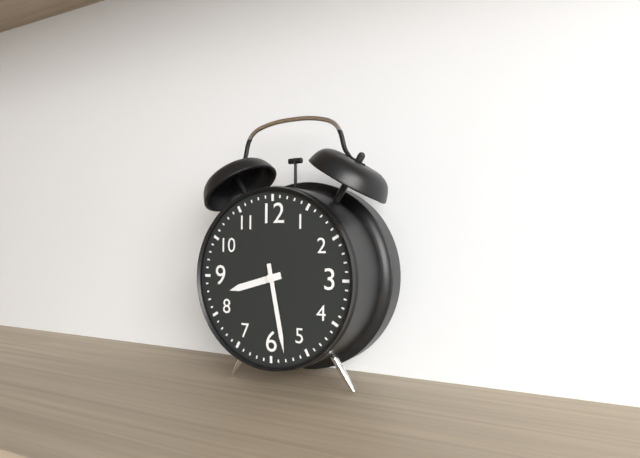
8h28
